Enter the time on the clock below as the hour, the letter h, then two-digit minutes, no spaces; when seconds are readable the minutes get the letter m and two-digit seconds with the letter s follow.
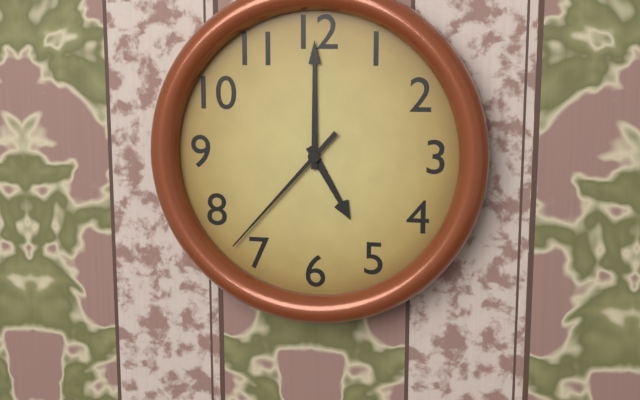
5h00m37s
